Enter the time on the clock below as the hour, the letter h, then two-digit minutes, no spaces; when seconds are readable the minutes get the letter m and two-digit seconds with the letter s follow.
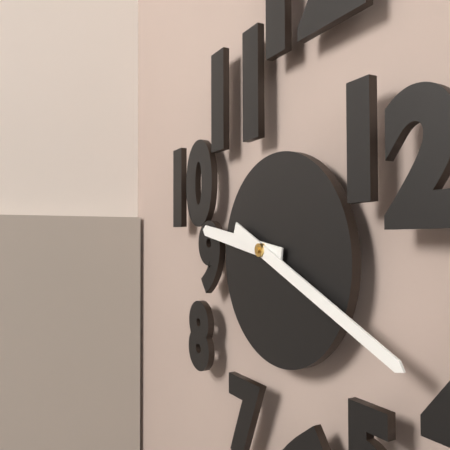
9h19
